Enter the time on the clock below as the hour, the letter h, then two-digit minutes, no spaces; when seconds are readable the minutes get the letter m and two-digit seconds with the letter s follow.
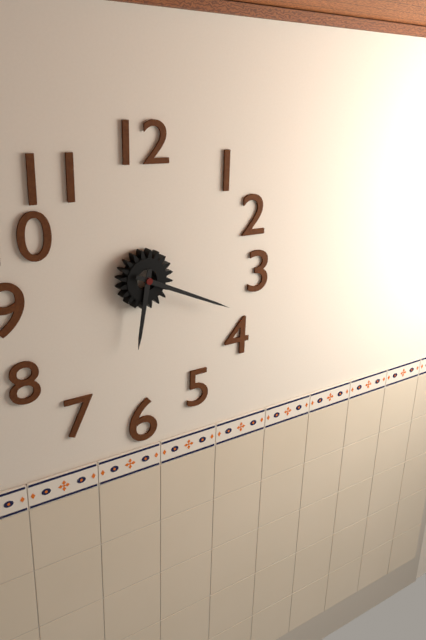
6h19
